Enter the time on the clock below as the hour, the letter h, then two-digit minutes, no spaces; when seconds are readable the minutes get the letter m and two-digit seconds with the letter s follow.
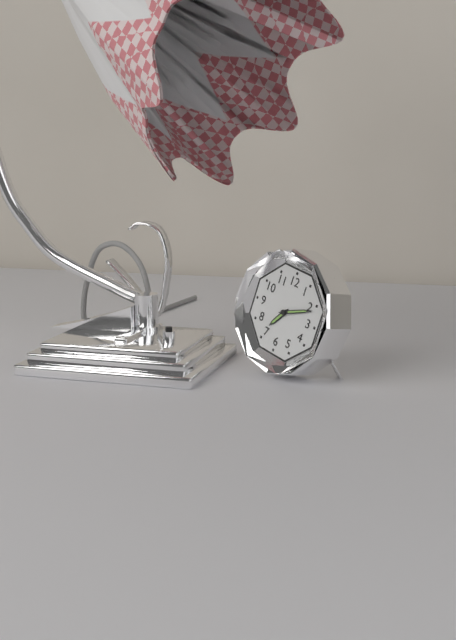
7h11
